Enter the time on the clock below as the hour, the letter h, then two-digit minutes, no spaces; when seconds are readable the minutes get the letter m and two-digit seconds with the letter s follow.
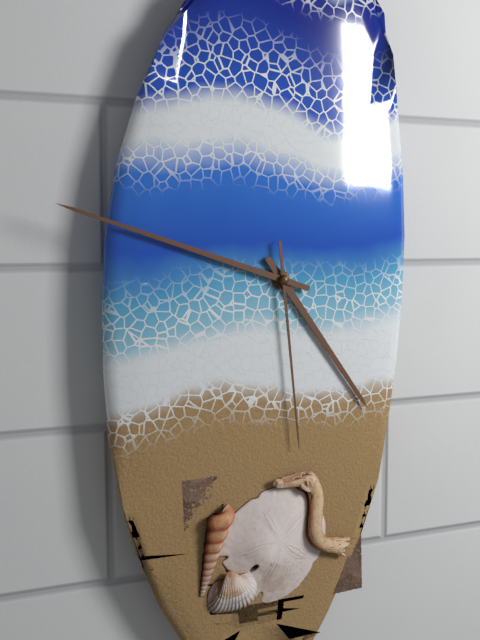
4h48m29s
